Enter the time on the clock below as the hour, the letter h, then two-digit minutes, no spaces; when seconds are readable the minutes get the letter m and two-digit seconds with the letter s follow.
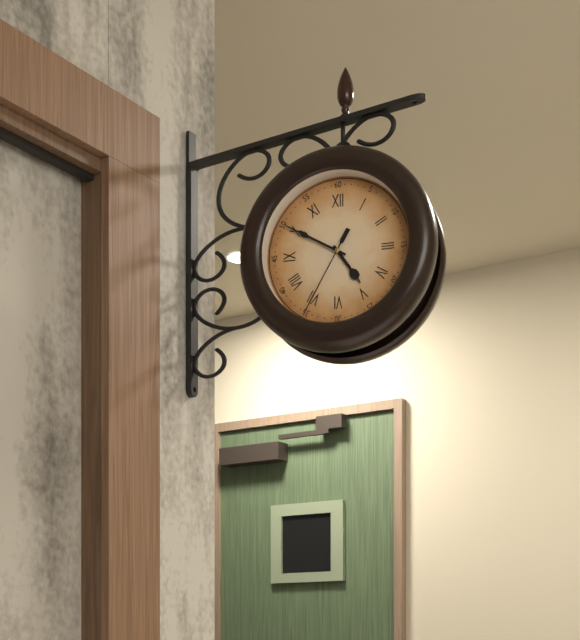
4h50m35s
